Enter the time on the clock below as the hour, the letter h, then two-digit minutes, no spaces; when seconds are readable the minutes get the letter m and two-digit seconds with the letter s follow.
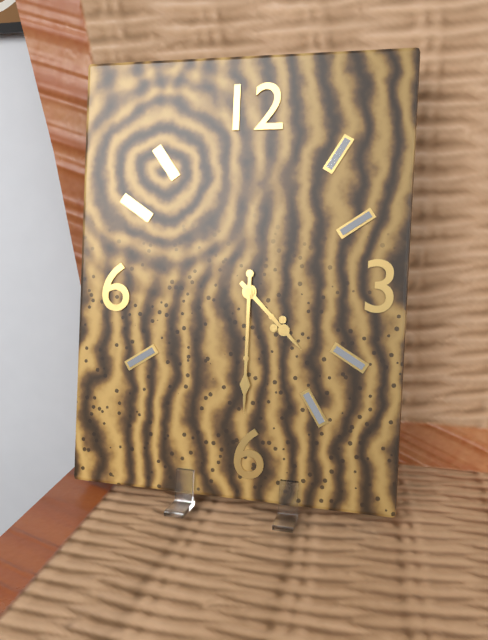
4h30
